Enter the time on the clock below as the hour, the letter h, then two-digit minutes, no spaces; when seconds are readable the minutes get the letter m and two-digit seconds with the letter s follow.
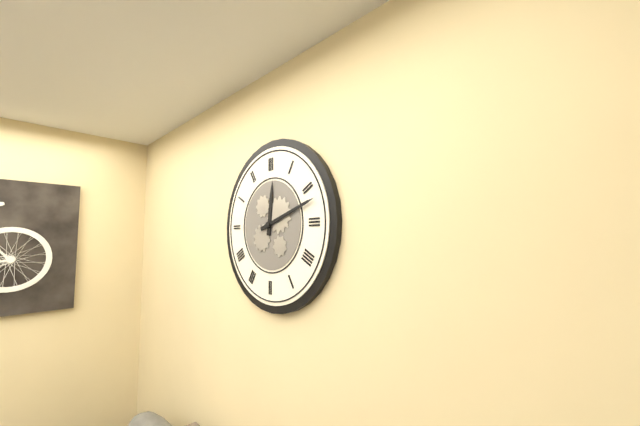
12h12
